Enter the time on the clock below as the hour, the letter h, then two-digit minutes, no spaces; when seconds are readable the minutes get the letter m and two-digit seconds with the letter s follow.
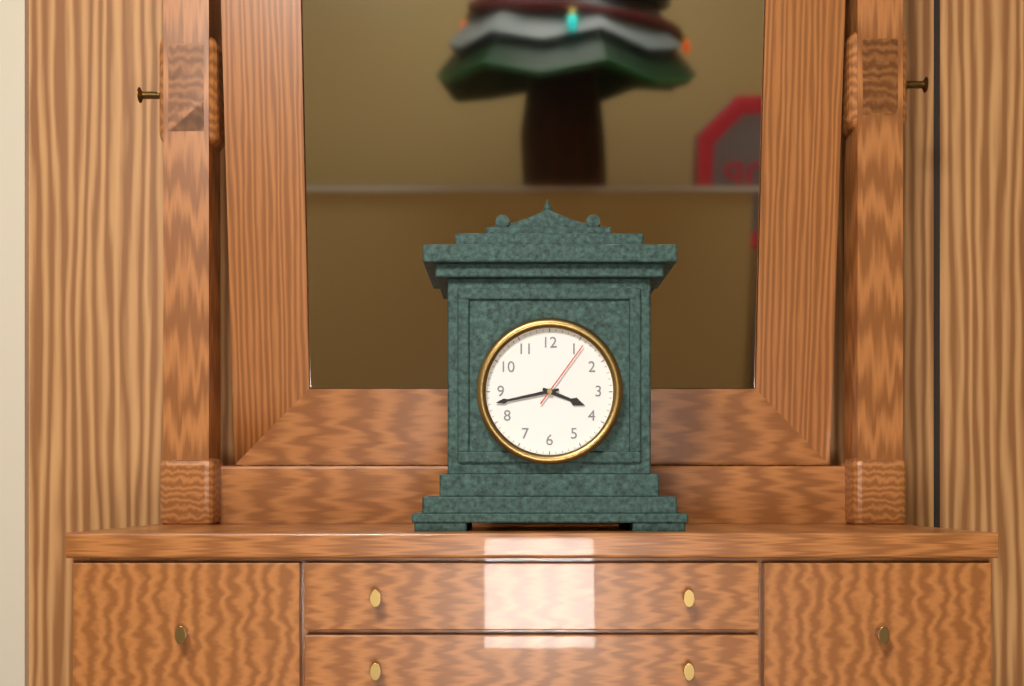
3h43m06s
